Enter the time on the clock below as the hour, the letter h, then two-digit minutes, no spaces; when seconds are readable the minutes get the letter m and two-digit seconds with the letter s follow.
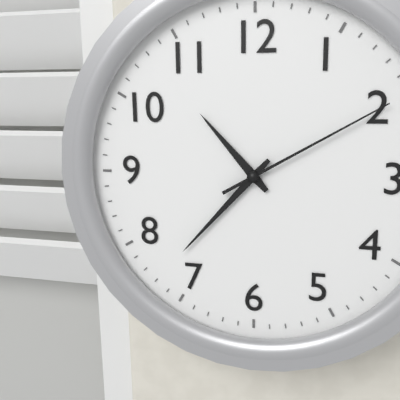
10h37m10s
